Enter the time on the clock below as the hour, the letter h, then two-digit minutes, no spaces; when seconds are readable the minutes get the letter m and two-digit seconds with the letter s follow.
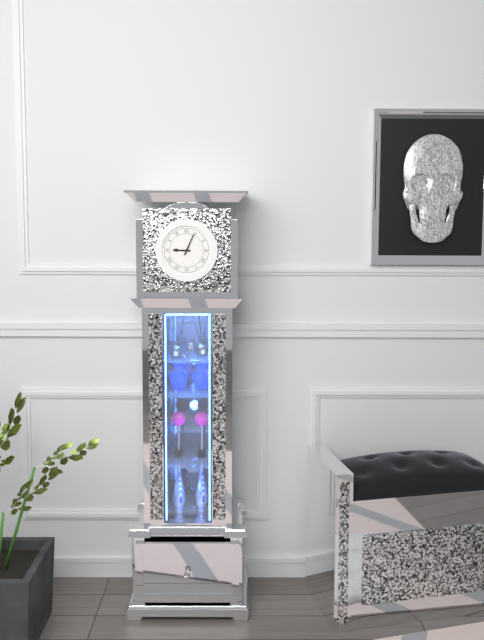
9h04
